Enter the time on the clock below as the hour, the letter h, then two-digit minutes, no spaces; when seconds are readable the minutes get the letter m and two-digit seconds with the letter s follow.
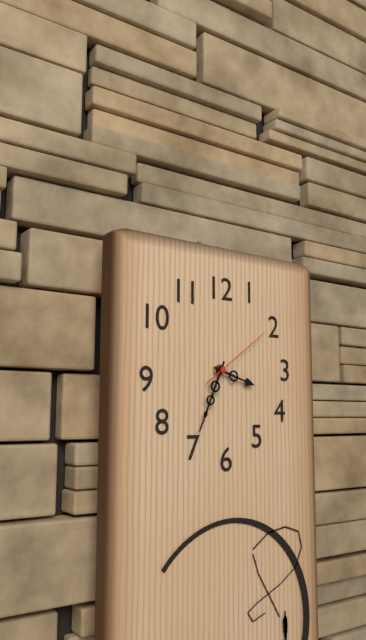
3h34m09s
